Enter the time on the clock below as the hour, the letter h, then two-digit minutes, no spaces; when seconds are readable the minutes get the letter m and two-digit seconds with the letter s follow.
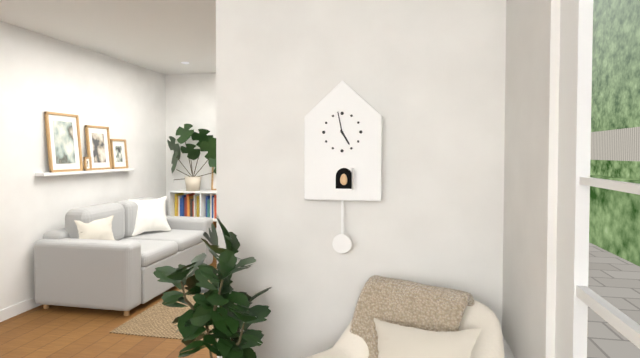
4h58
